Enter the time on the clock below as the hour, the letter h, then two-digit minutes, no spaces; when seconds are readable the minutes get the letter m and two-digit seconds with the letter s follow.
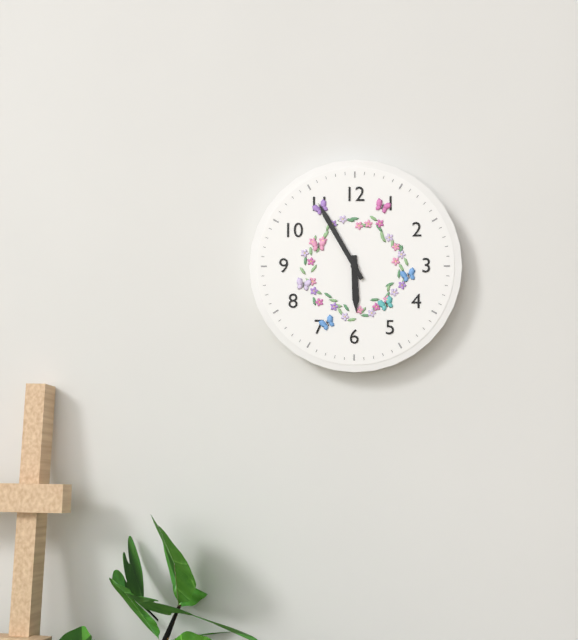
5h55
